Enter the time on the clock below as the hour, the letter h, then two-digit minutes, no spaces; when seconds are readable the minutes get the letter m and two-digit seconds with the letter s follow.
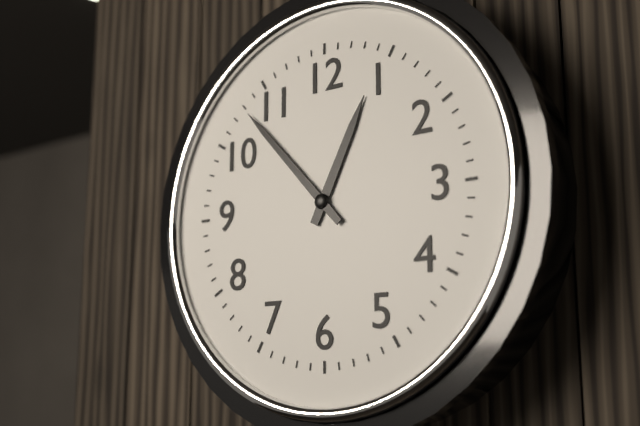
12h53
